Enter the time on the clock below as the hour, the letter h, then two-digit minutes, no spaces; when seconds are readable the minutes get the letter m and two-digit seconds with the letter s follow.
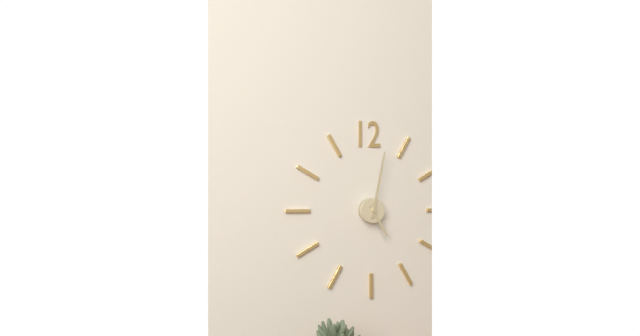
5h02
